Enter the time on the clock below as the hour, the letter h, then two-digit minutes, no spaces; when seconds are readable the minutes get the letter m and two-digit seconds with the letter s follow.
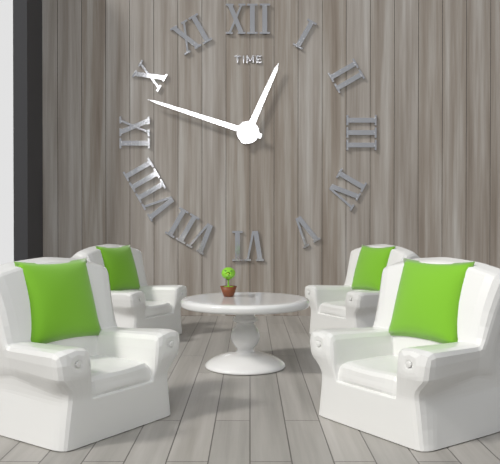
12h48
